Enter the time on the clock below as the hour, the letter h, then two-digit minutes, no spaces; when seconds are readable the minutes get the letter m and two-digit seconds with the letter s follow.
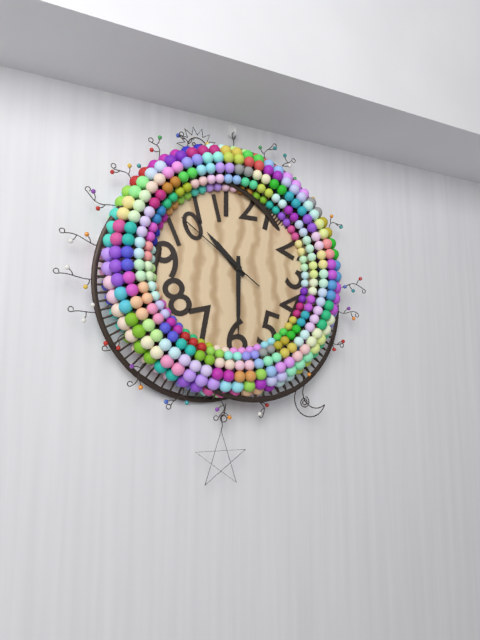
10h30m51s
